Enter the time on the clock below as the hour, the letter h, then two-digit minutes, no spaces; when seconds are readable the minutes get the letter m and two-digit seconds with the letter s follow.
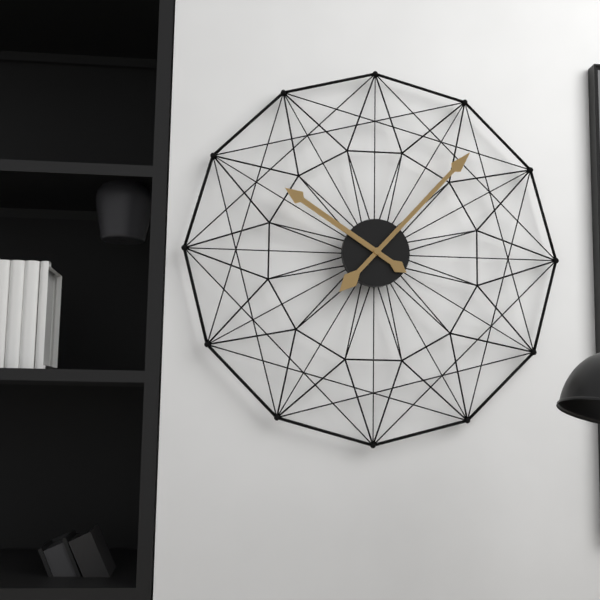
10h07
